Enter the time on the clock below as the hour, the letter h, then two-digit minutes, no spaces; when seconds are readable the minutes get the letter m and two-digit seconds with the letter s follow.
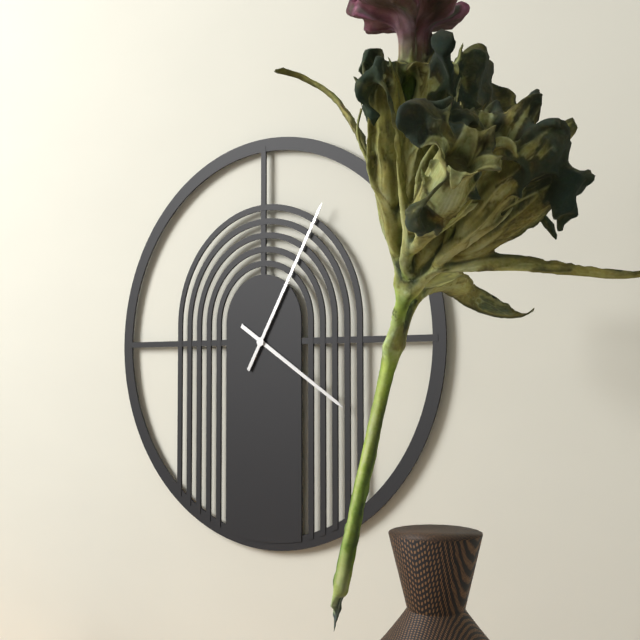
4h05
